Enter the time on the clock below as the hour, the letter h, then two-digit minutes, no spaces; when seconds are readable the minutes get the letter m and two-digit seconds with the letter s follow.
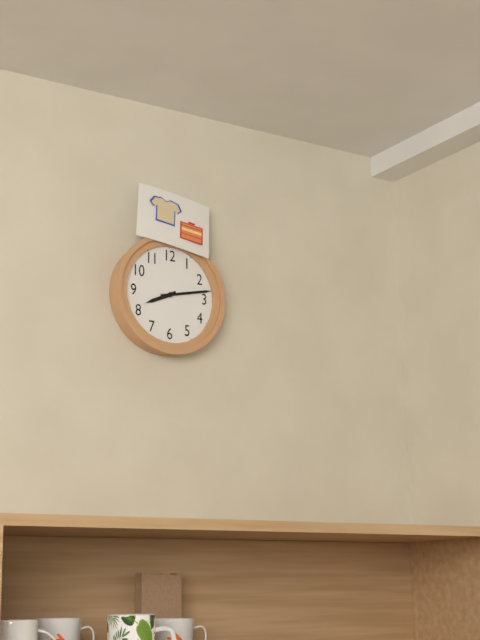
8h13
